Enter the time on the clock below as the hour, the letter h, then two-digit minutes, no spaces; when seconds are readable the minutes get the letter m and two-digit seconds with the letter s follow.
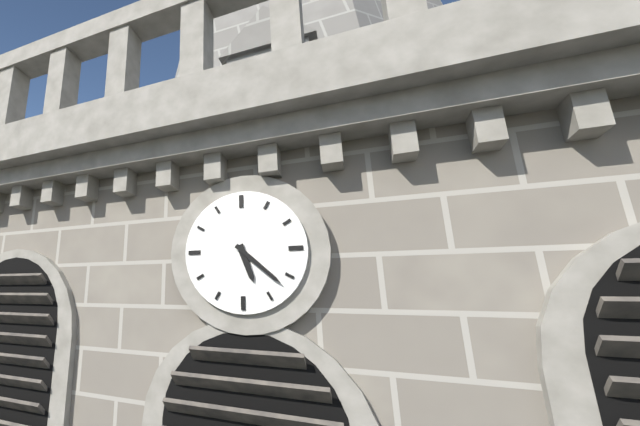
5h22
